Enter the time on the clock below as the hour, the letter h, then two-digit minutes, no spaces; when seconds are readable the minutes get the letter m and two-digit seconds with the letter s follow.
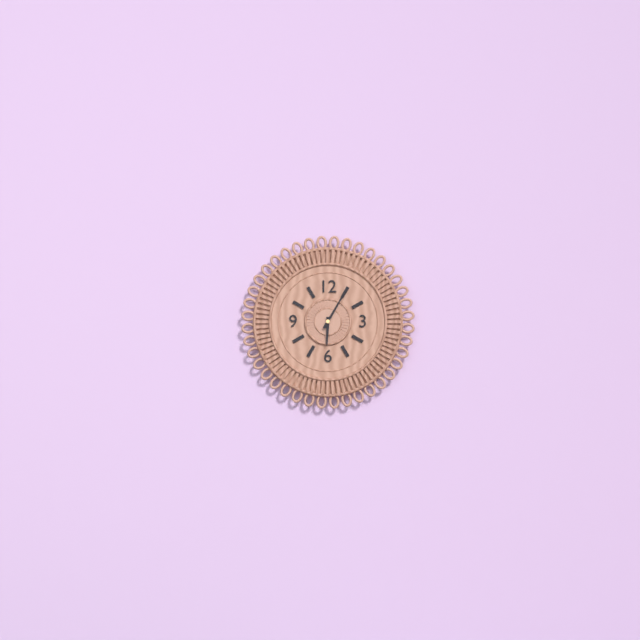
6h05
